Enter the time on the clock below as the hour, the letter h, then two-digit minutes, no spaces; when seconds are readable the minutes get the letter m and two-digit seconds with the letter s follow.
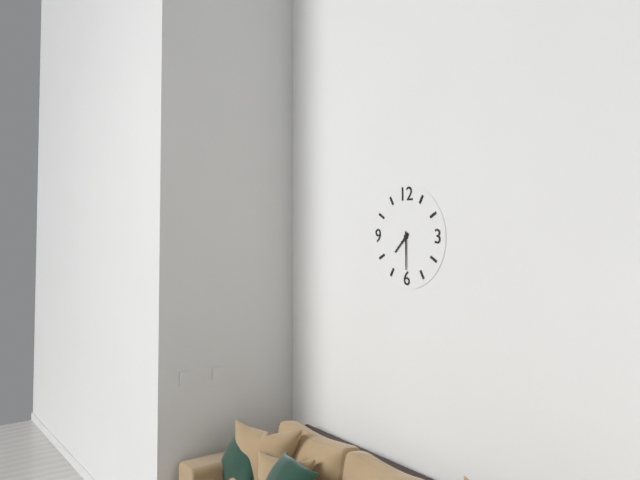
7h30
